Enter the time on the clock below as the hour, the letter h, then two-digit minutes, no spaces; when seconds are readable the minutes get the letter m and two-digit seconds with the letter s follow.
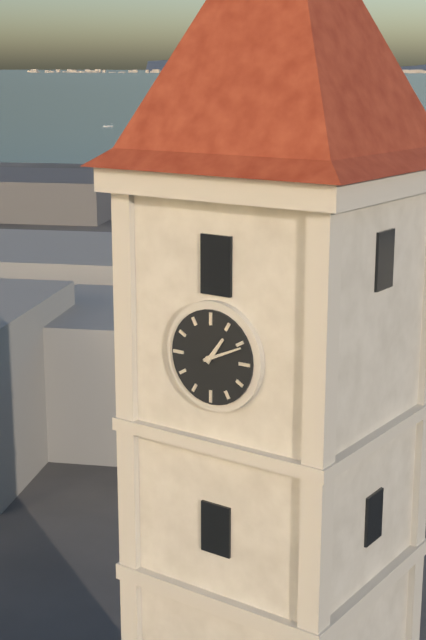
1h11
